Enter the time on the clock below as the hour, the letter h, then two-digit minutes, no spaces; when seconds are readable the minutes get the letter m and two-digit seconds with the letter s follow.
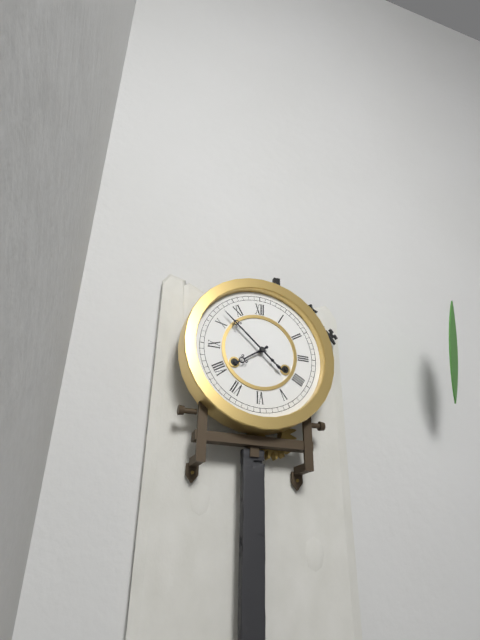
7h52
